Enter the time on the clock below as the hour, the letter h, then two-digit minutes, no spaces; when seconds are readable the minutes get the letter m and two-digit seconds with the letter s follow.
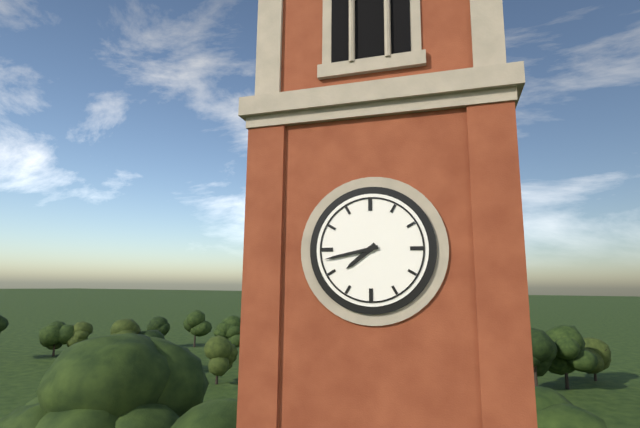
7h43
